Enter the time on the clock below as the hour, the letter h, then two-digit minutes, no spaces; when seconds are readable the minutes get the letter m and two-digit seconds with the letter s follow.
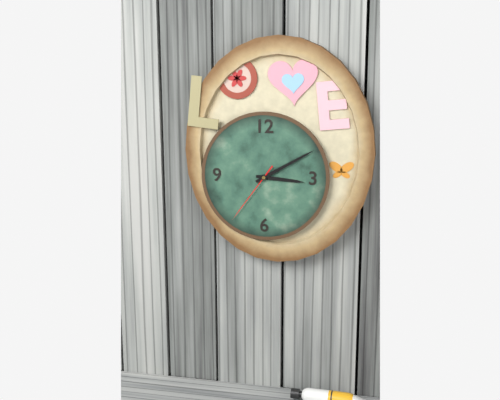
3h10m36s
